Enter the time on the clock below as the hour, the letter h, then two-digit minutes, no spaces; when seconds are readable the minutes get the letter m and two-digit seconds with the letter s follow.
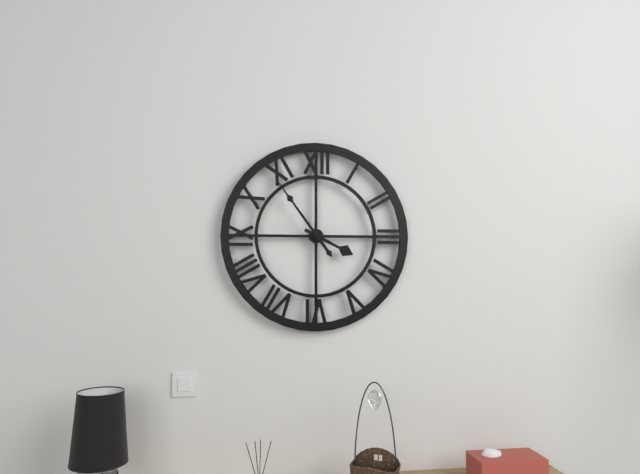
3h54
